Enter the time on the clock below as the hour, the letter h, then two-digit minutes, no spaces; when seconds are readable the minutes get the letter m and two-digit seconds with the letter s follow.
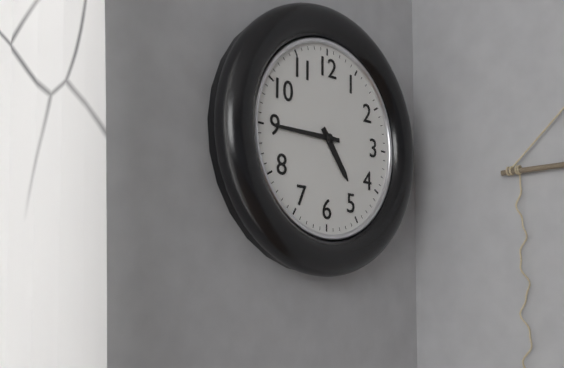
4h45
